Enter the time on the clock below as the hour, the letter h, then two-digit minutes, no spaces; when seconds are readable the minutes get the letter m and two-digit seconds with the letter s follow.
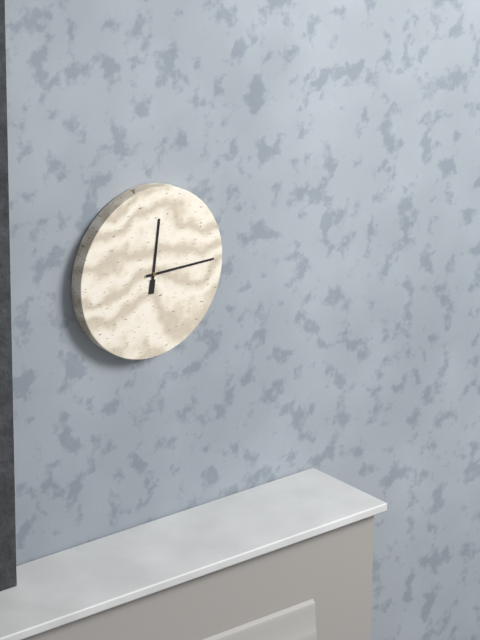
12h15
